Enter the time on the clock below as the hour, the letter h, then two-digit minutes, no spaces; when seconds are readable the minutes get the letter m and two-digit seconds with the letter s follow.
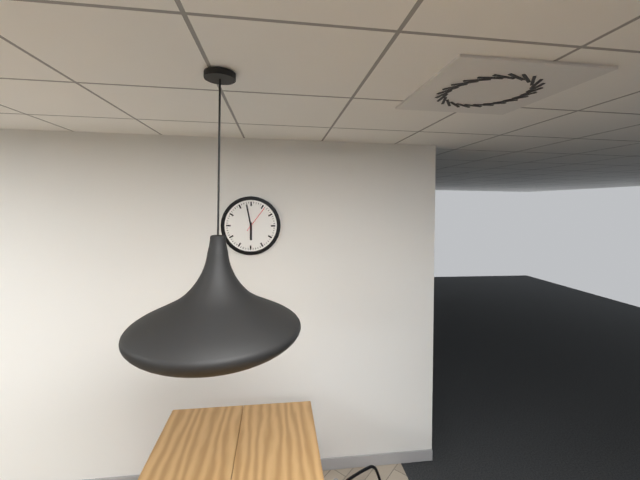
5h58
